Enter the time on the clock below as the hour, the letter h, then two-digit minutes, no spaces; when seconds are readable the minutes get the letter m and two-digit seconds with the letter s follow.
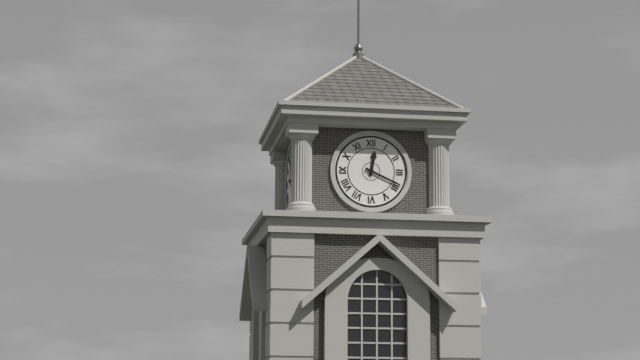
12h19
